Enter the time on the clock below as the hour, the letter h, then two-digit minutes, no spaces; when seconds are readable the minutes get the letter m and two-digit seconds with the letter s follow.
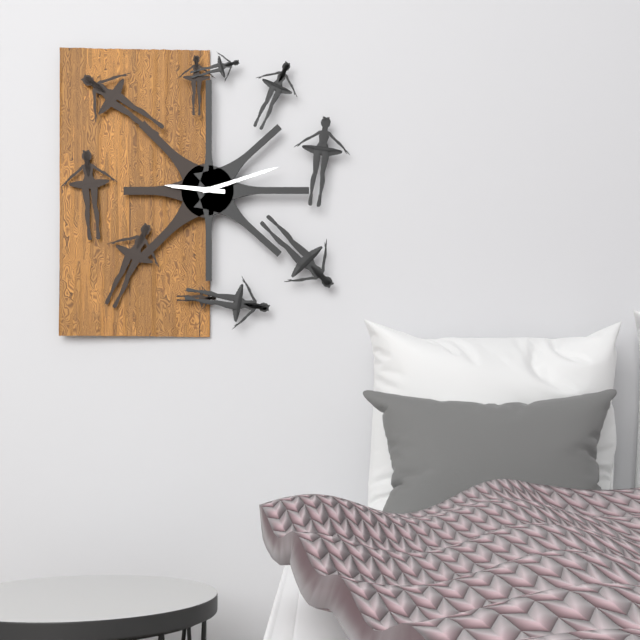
9h12
